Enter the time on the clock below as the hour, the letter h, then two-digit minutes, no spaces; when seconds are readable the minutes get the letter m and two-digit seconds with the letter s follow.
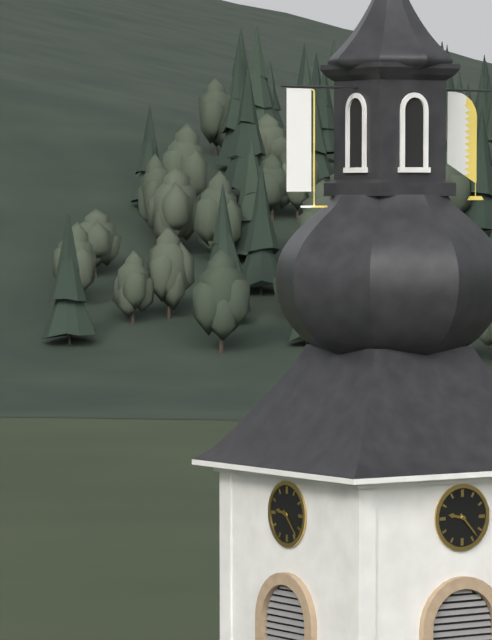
9h23
